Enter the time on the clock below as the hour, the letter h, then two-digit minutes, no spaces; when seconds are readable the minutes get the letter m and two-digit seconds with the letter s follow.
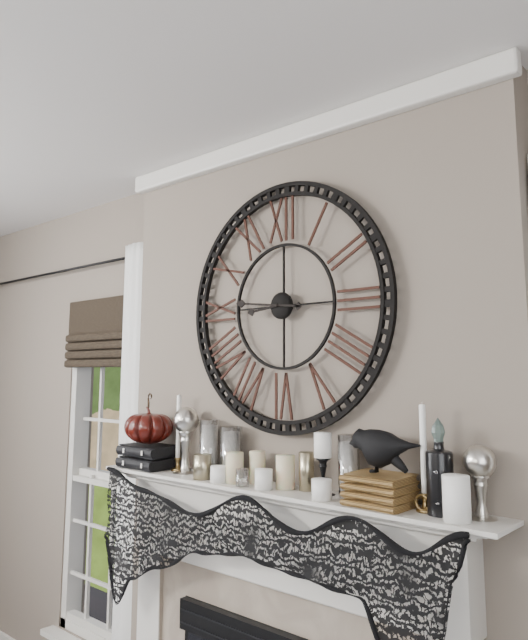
8h46
